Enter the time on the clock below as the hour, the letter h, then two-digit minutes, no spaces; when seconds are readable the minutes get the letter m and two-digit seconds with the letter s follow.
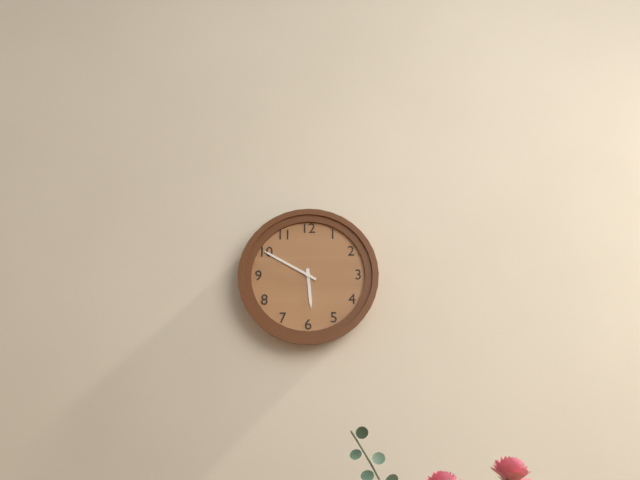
5h50
